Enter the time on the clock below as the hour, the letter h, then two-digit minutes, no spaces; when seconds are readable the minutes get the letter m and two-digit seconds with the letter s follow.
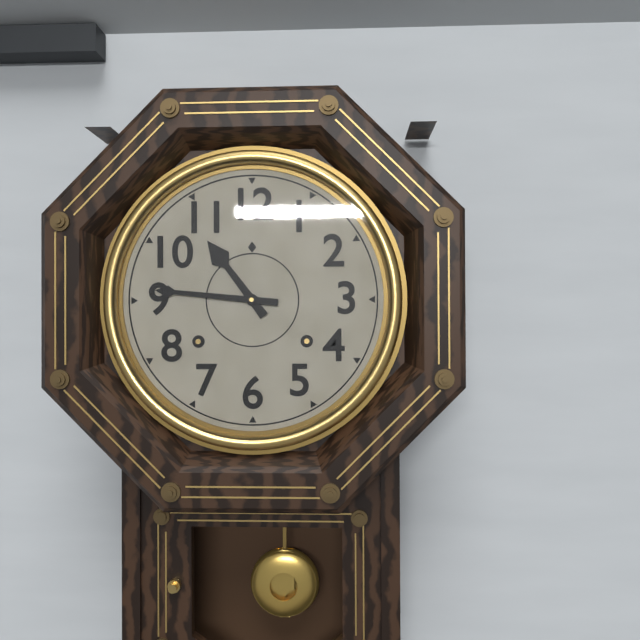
10h46
